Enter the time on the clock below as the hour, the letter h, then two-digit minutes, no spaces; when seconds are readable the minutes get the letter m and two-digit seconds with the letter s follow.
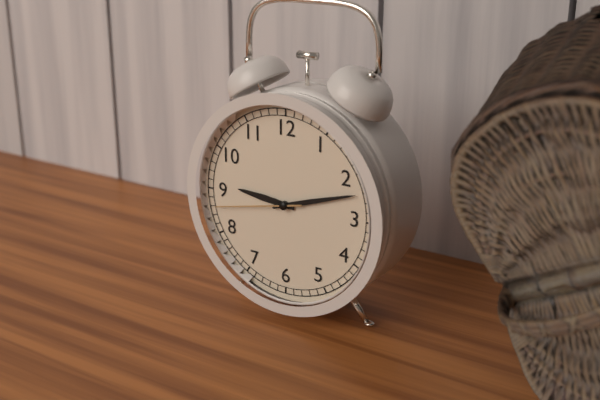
9h12m43s
